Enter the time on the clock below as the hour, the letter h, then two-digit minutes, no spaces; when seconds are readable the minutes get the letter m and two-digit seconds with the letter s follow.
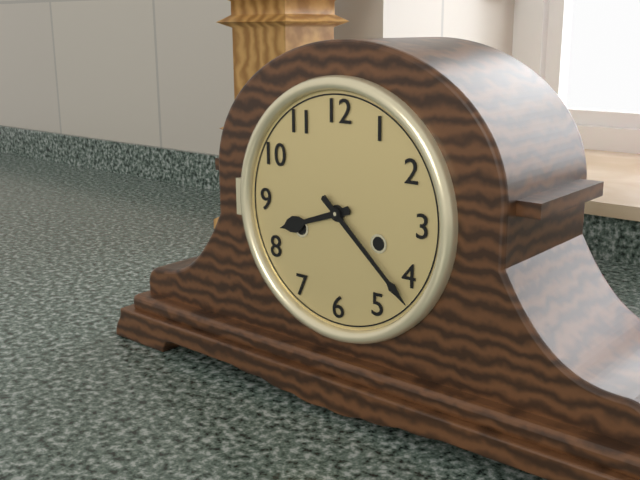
8h22
